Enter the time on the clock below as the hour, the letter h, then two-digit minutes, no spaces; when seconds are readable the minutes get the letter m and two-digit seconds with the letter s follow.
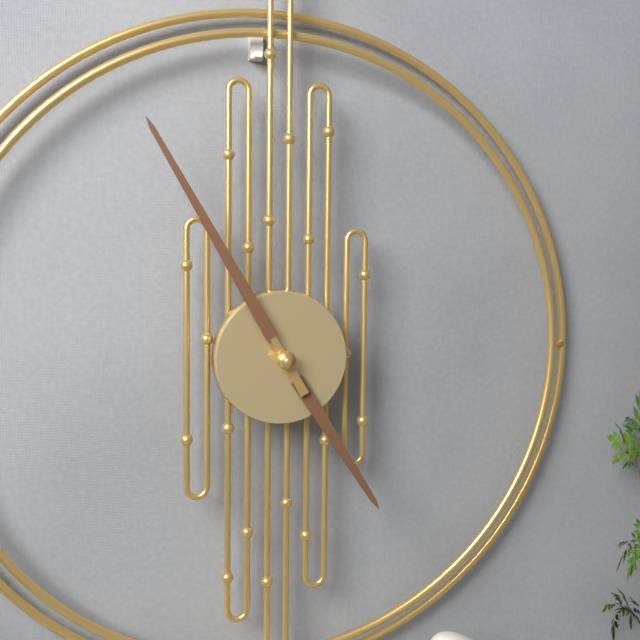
4h55
